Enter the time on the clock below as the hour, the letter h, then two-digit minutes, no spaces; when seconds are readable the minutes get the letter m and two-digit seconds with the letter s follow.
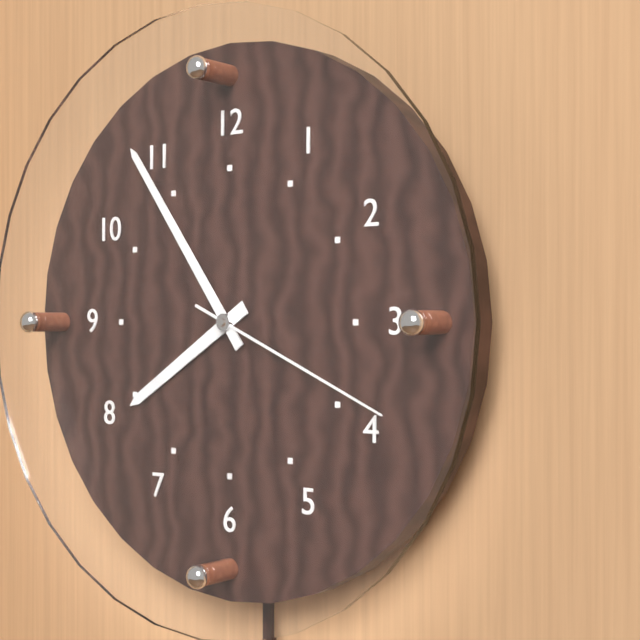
7h54m19s
